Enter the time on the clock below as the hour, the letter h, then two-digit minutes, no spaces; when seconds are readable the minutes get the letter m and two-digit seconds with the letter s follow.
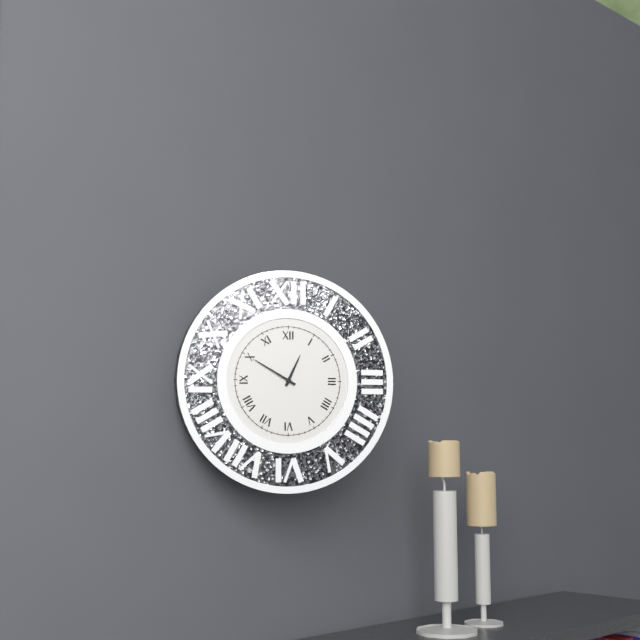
12h50
